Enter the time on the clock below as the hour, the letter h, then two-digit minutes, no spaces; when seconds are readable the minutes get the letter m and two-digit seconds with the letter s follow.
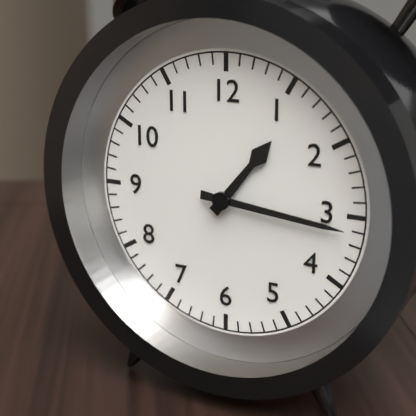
1h16
